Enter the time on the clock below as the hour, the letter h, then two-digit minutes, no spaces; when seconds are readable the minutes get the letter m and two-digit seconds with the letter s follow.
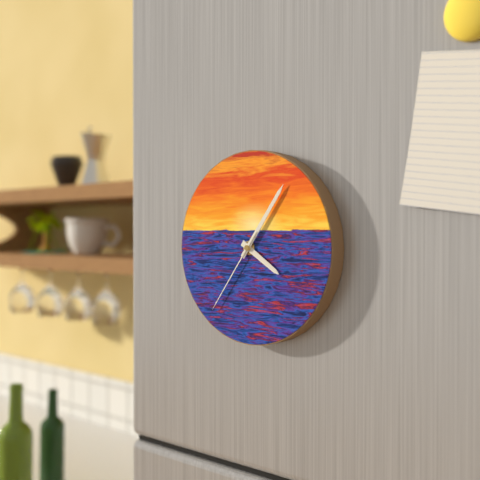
4h06m36s
